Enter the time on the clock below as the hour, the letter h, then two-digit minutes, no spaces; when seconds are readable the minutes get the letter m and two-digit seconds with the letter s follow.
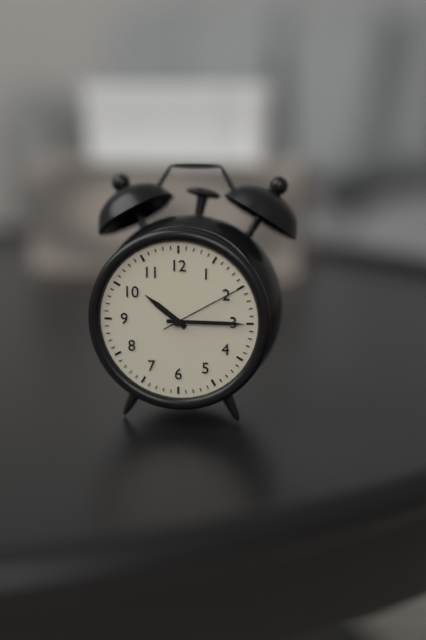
10h15m10s
